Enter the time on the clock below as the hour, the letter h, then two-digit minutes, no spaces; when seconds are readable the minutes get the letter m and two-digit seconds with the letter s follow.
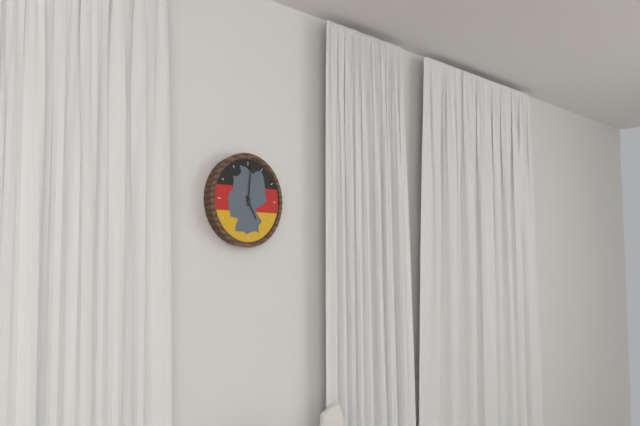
5h01
